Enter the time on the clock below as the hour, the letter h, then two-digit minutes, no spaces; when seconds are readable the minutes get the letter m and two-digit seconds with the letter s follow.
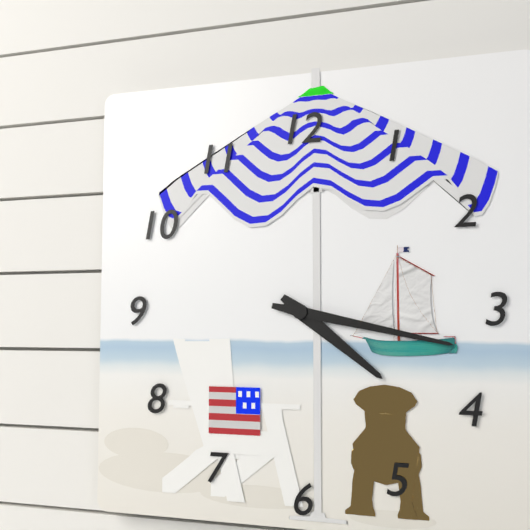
4h17
